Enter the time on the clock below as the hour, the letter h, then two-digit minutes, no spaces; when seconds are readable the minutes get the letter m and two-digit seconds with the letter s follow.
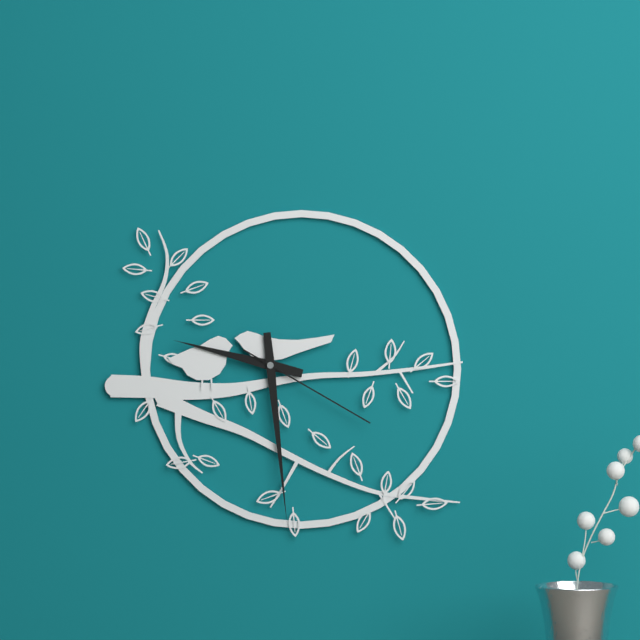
9h29m20s
